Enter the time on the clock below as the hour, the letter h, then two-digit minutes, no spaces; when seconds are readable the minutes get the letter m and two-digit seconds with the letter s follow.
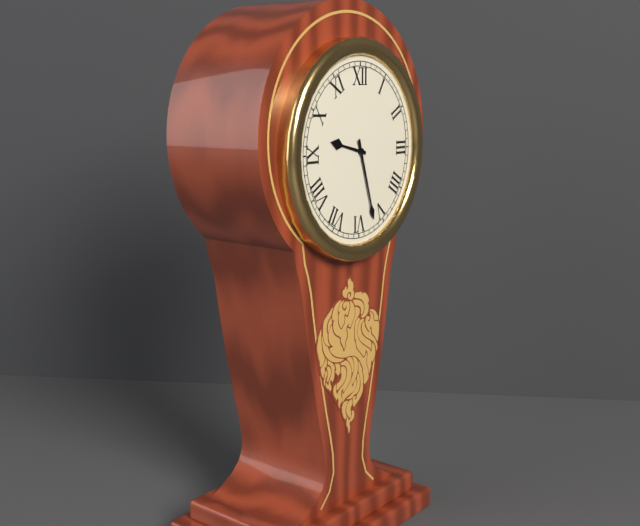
9h27
